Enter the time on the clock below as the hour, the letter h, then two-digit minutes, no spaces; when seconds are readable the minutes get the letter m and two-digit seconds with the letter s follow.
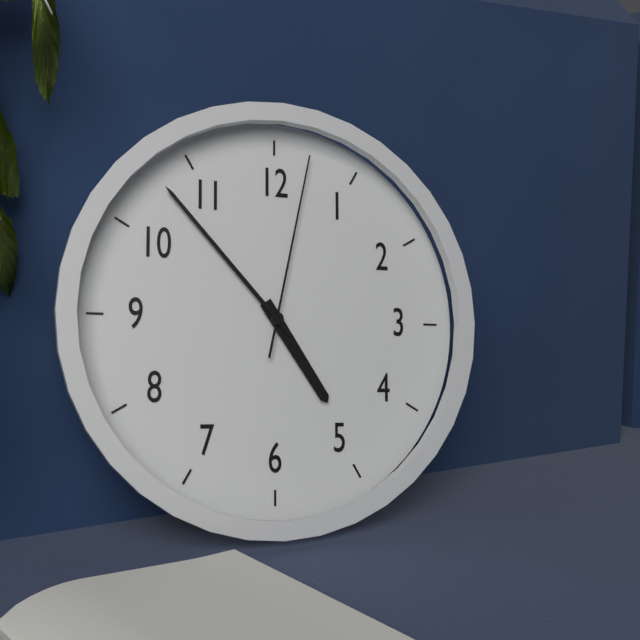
4h53m02s
